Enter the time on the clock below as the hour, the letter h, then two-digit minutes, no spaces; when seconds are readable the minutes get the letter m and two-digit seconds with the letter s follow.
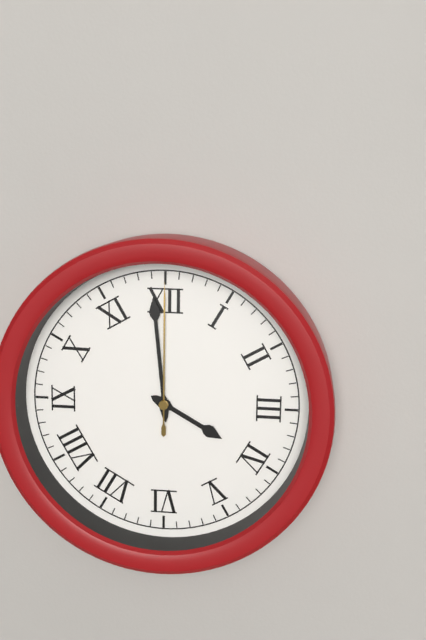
3h59m00s
